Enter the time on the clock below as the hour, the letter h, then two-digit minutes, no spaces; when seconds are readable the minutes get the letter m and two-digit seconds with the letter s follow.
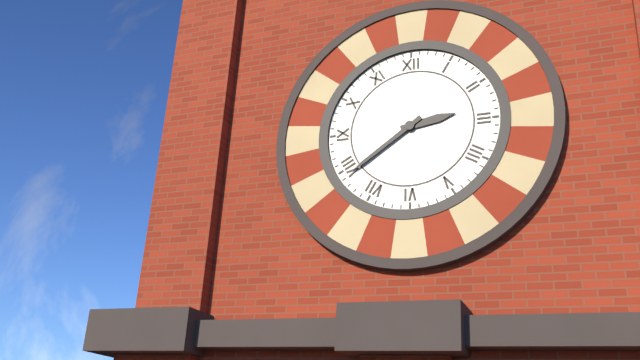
2h39
